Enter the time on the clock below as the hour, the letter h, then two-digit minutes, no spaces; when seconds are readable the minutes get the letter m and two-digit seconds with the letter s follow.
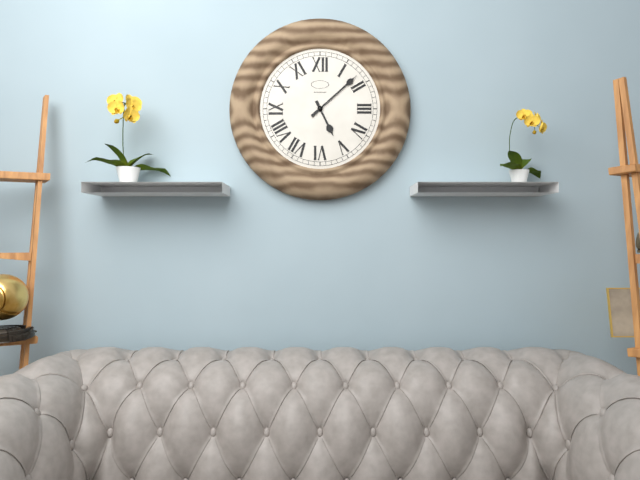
5h08
